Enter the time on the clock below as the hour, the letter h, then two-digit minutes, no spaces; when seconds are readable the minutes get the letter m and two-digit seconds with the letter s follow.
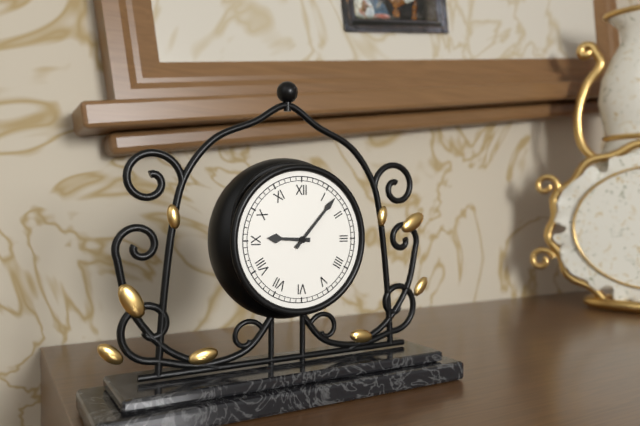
9h07
